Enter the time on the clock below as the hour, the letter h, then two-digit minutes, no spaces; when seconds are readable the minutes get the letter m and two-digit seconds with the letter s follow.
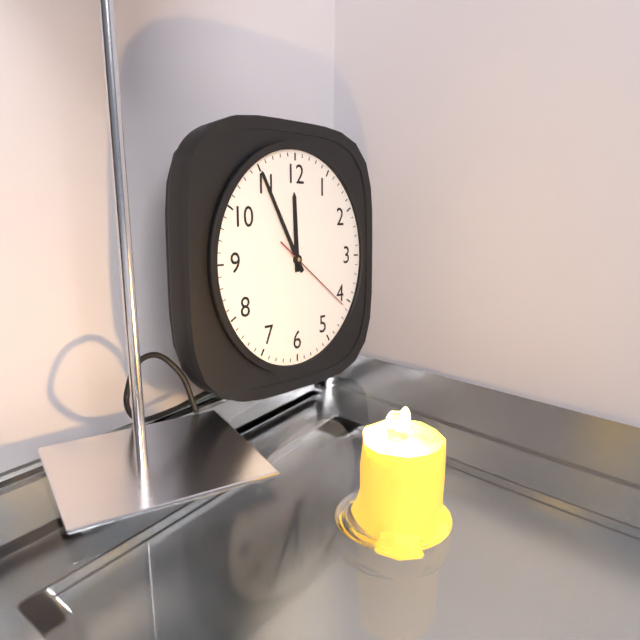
11h55m21s
